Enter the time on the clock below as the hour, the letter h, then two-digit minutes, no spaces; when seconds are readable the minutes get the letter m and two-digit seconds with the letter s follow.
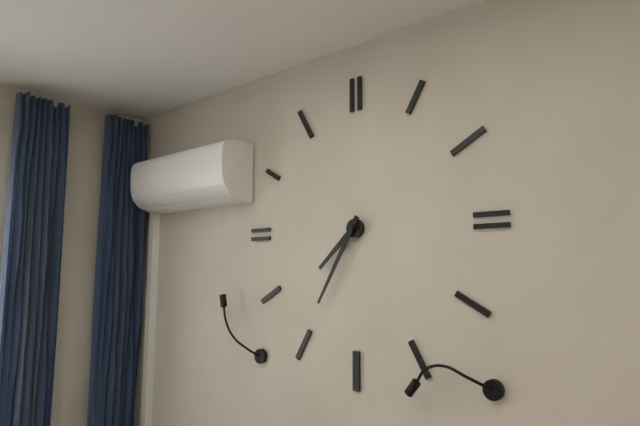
7h35
